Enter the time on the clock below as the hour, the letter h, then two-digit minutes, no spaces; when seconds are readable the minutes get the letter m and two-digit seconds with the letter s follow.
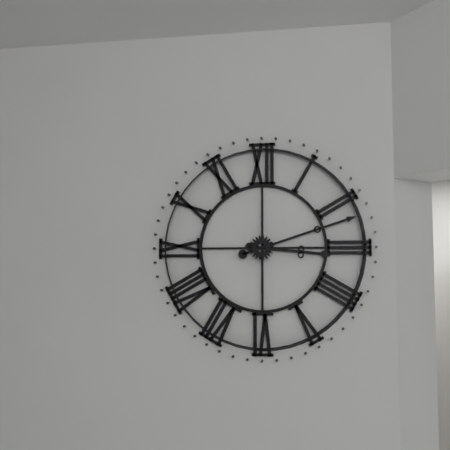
3h12
